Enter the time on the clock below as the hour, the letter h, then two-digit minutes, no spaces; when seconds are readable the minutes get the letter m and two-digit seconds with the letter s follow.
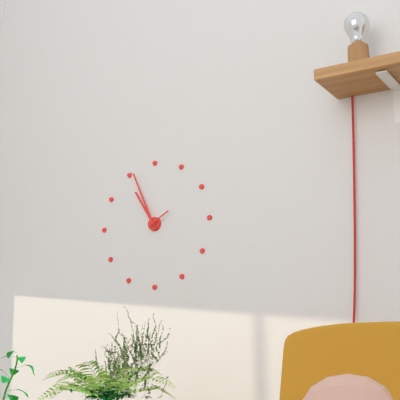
10h56
